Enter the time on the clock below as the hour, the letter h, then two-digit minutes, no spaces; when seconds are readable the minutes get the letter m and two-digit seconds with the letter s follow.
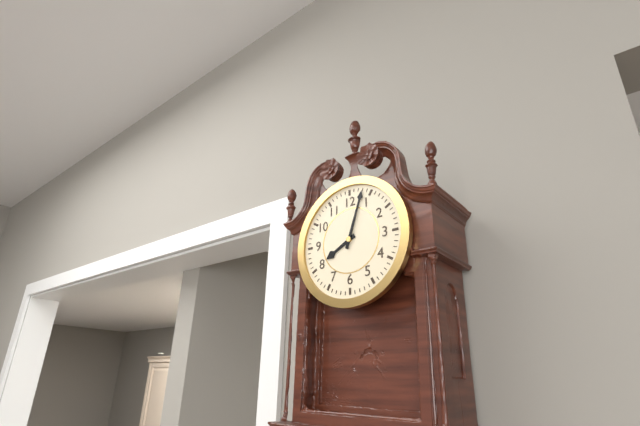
8h03
